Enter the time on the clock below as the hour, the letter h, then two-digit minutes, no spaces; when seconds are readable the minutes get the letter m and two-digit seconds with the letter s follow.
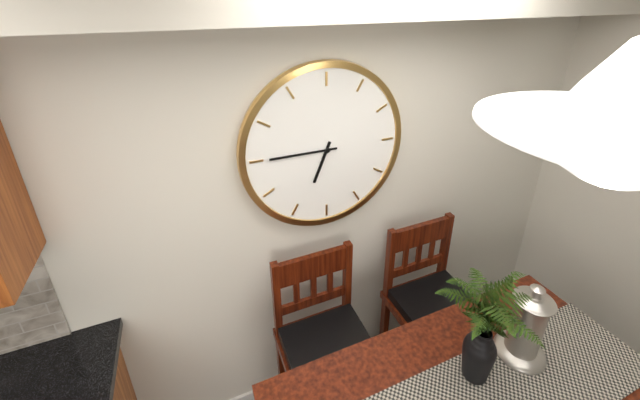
6h45
